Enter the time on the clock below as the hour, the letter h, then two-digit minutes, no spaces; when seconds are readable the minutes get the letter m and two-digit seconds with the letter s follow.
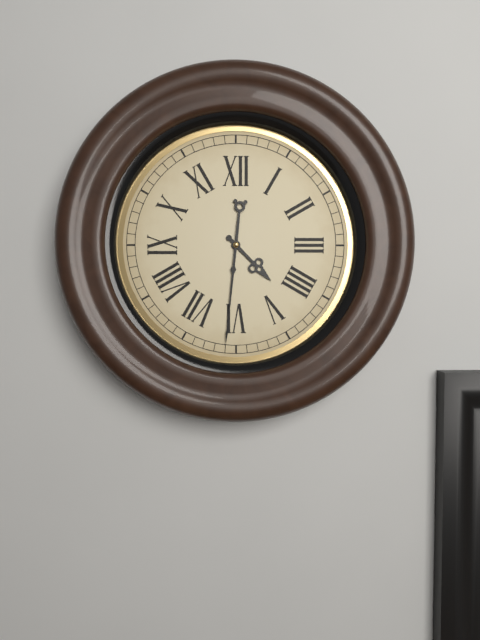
4h31
